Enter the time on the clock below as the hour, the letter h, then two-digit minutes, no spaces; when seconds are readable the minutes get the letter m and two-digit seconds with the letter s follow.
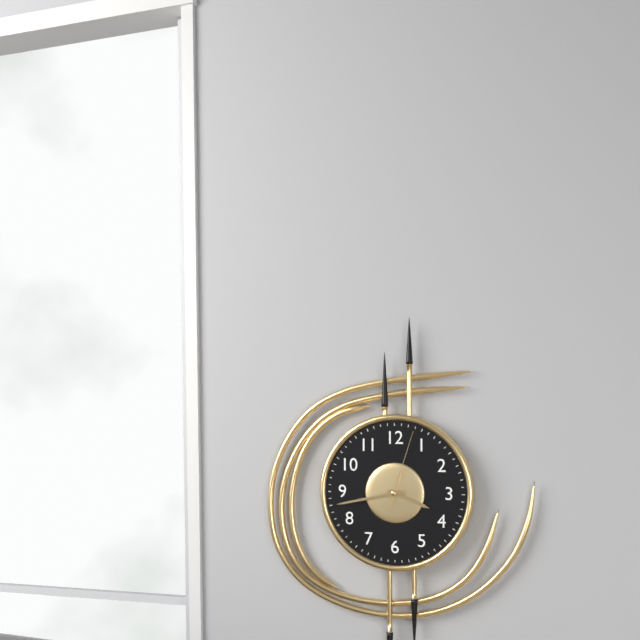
3h43m03s
